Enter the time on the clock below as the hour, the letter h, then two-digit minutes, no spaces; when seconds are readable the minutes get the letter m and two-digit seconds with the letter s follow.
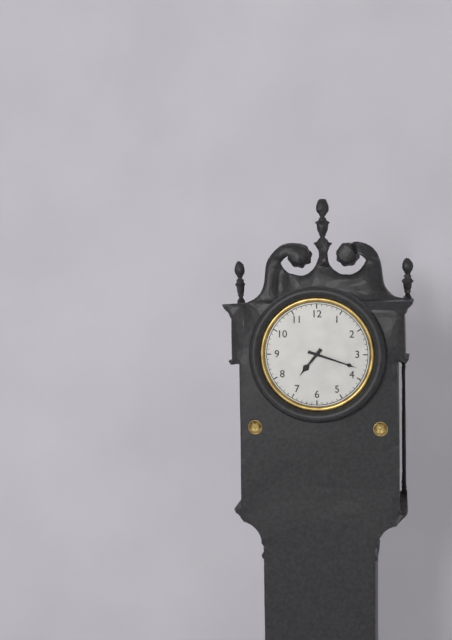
7h18
